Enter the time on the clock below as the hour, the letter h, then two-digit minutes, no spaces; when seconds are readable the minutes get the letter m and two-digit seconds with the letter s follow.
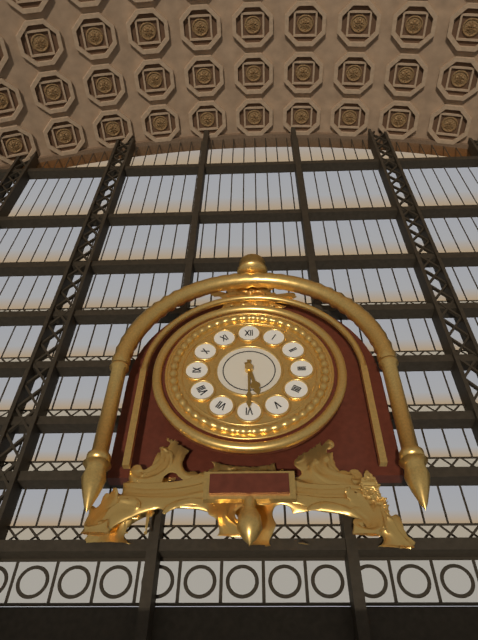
5h30
